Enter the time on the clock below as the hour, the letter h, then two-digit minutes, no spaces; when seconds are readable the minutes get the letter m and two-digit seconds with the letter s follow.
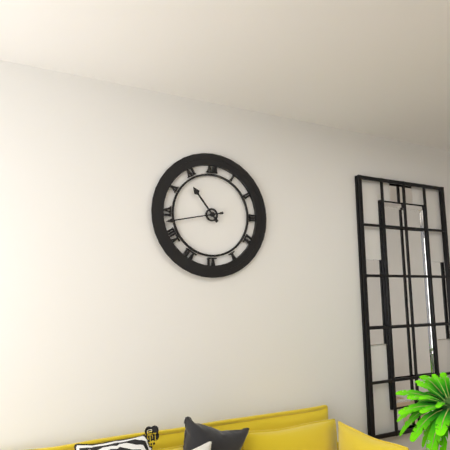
10h43
